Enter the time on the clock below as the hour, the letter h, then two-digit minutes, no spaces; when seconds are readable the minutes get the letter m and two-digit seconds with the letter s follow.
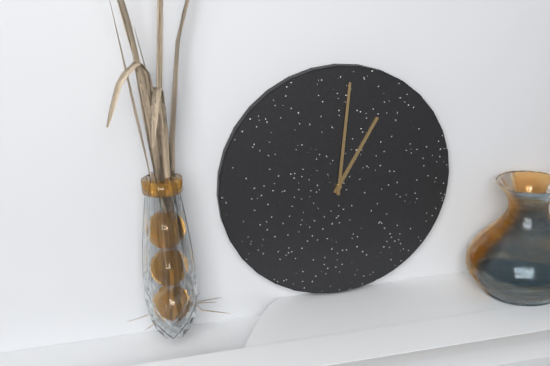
1h01
